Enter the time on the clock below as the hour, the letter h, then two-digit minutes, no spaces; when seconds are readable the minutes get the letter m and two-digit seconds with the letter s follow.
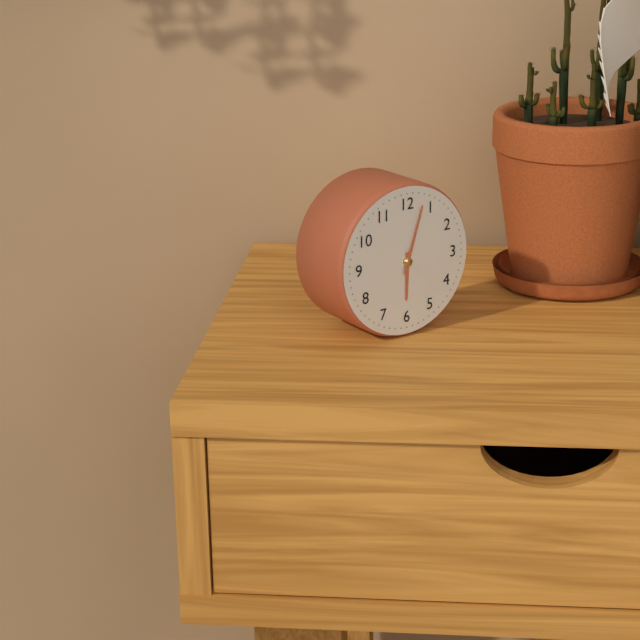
6h03
